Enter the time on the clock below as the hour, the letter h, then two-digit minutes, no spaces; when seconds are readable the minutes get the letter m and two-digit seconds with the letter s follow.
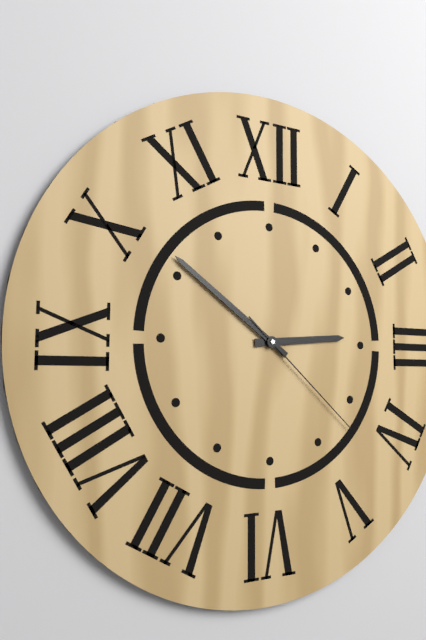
2h51m22s
